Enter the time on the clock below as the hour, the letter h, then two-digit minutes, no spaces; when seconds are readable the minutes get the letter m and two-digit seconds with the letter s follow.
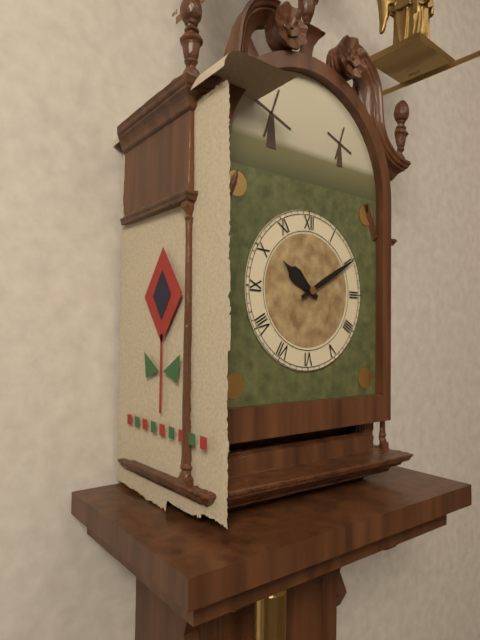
10h10
